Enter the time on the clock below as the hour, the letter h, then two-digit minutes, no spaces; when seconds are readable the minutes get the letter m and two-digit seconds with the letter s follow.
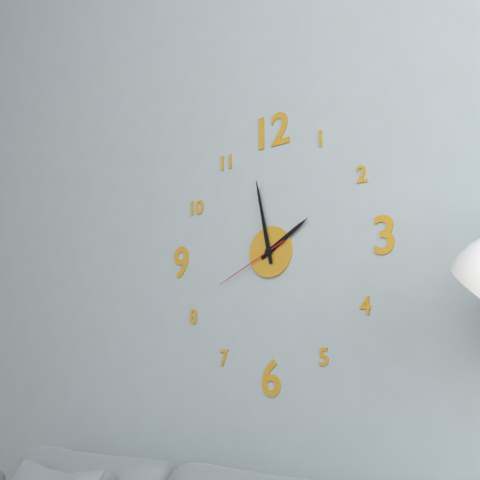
1h58m41s
